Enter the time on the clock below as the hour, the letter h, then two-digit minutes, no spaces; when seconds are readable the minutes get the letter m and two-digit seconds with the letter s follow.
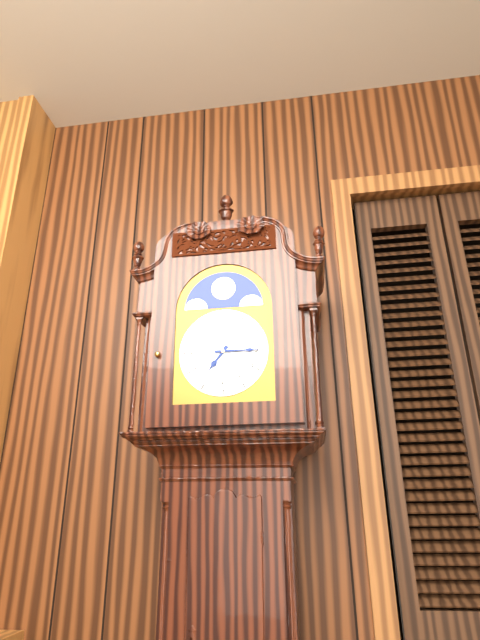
7h15
